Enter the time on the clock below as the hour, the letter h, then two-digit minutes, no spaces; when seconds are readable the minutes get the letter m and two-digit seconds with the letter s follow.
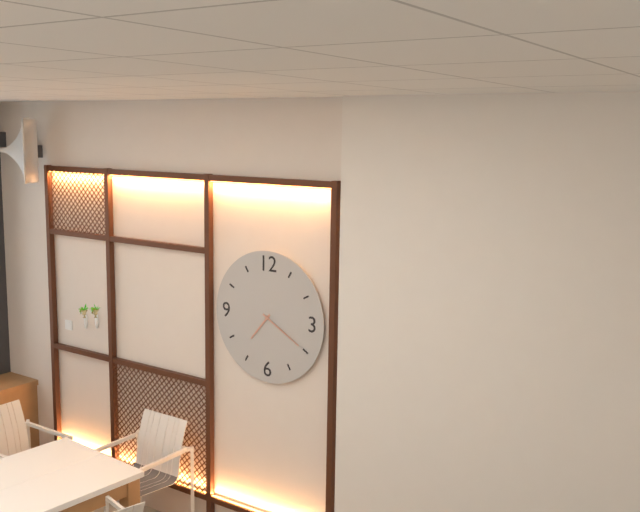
7h20
